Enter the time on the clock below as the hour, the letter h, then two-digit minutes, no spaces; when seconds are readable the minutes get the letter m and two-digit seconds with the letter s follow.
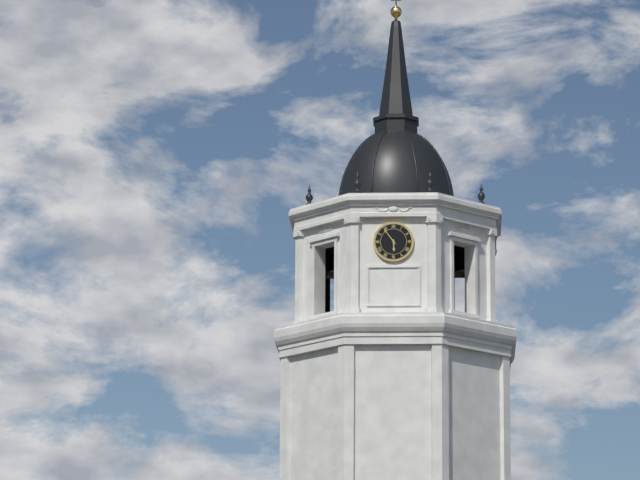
5h54
